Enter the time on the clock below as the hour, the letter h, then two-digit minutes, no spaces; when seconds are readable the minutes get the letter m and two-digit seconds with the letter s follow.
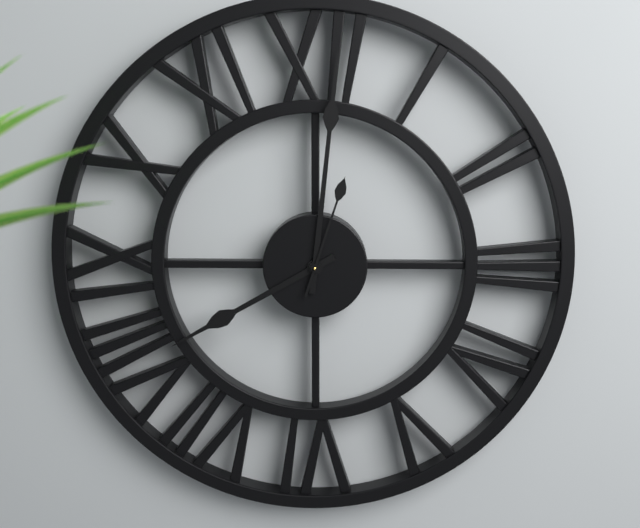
8h01m03s
